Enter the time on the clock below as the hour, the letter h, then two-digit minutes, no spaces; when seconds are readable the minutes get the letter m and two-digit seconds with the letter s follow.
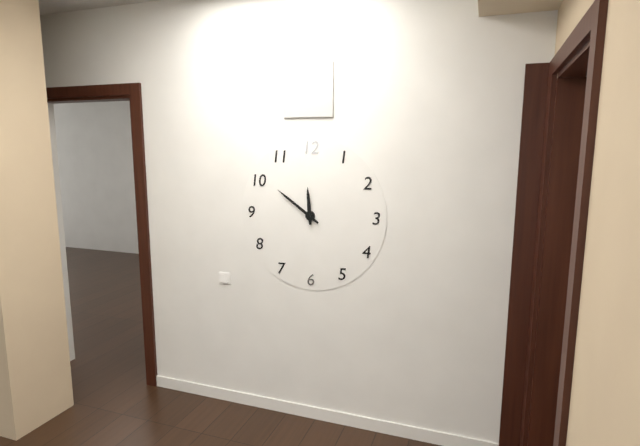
11h51
